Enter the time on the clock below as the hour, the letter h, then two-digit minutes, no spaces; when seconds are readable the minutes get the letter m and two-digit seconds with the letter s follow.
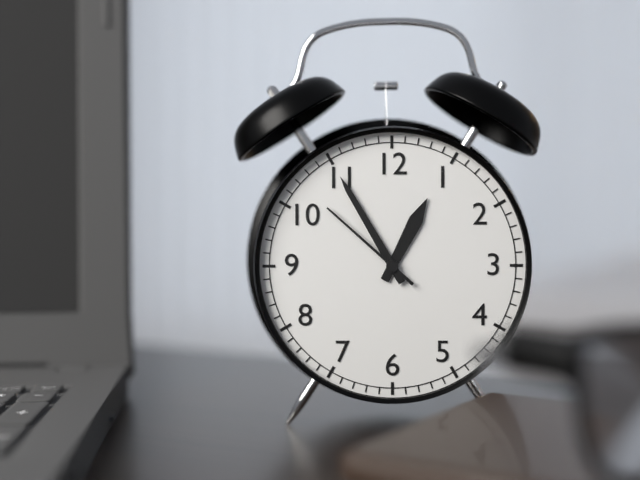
12h55m52s
